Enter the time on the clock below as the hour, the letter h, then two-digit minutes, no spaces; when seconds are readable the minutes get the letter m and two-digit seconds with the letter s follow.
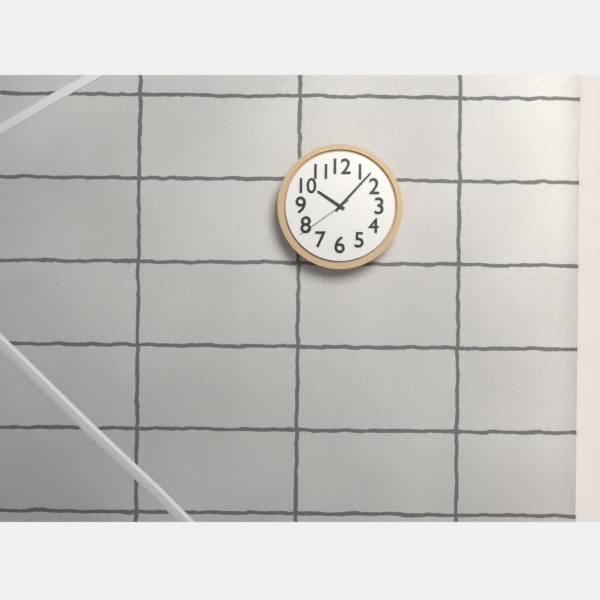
10h07m39s
